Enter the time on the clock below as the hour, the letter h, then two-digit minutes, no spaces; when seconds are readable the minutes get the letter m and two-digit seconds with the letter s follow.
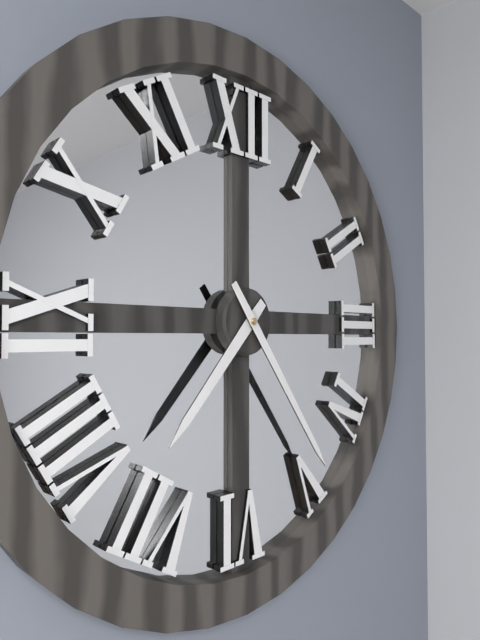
7h24
